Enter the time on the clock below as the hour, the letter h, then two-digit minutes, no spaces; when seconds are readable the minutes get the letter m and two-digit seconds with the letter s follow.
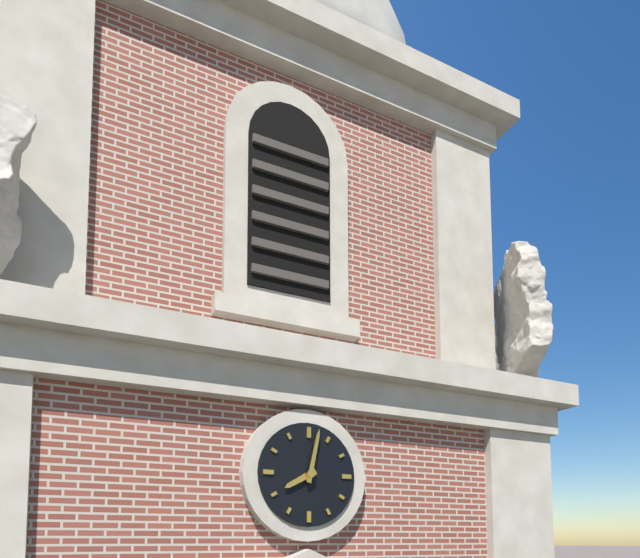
8h02
